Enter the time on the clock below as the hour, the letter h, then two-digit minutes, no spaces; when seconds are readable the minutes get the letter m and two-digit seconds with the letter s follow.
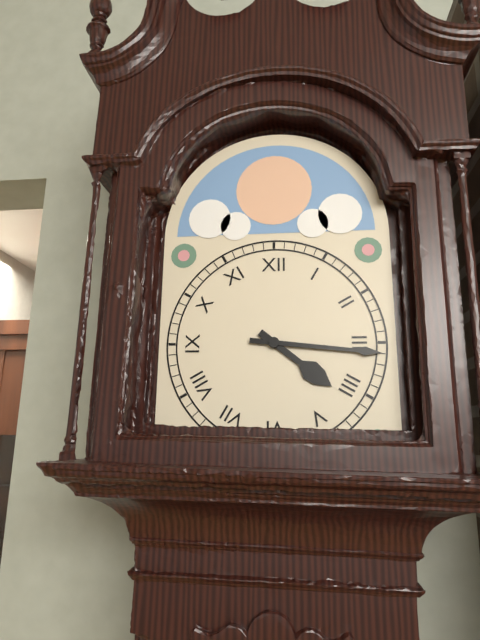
4h16
